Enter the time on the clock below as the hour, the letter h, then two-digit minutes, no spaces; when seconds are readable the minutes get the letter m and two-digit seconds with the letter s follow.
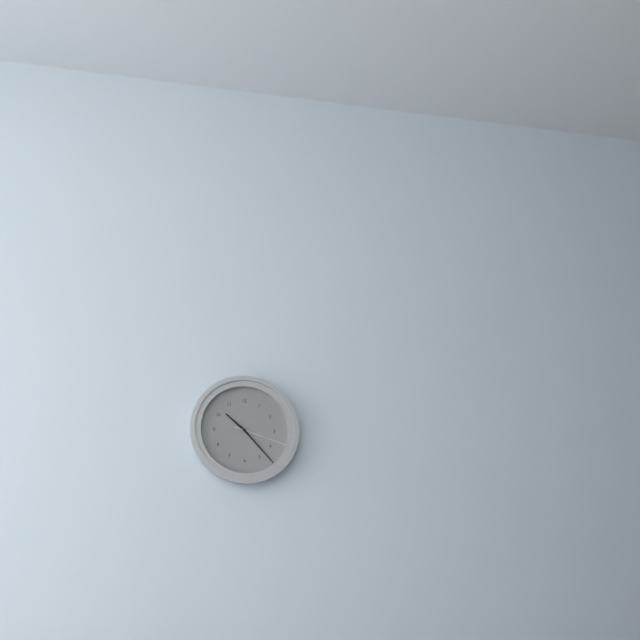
10h23m18s
